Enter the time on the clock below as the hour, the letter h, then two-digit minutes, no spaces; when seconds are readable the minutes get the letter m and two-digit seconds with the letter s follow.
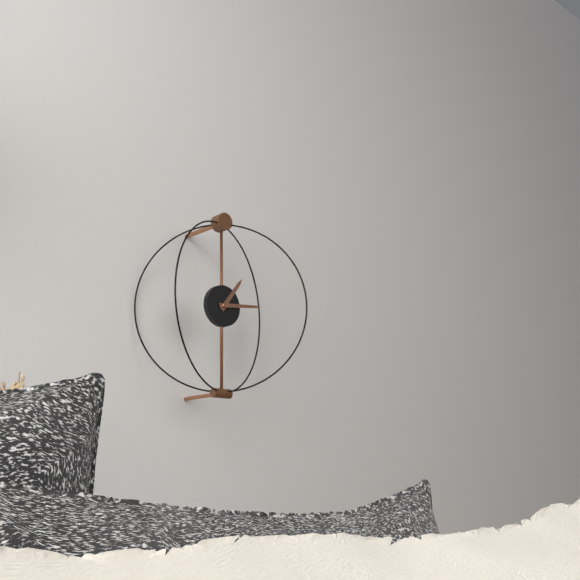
1h14
